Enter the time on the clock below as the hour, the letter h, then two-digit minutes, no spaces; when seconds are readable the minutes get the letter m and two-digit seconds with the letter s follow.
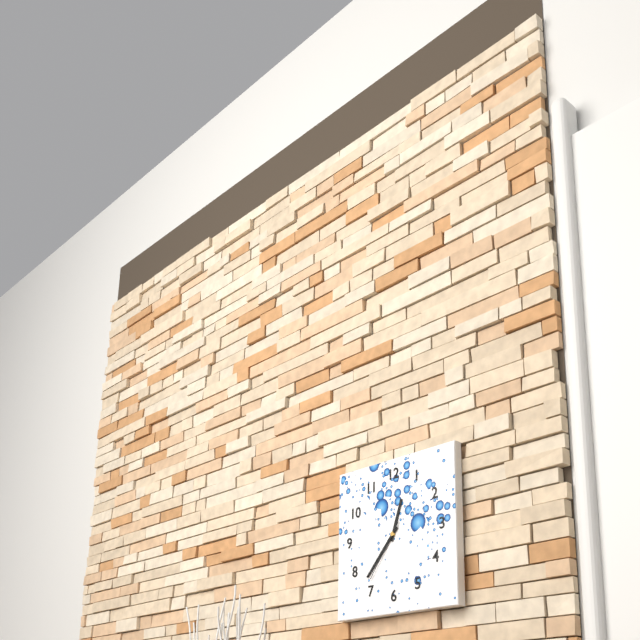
12h37m36s
